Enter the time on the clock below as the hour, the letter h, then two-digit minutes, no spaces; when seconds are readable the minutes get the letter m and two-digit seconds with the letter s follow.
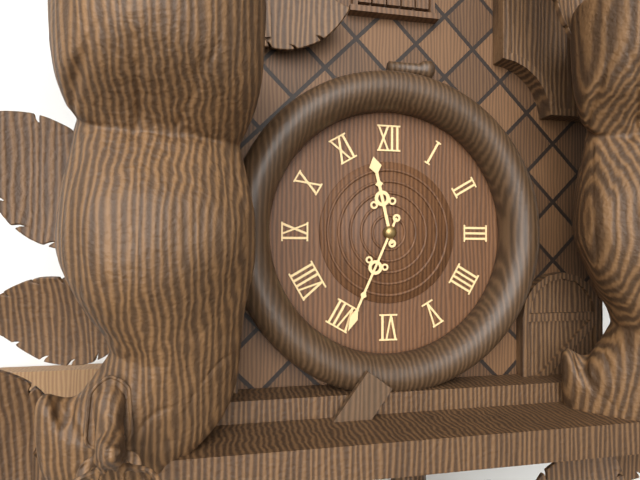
11h34
